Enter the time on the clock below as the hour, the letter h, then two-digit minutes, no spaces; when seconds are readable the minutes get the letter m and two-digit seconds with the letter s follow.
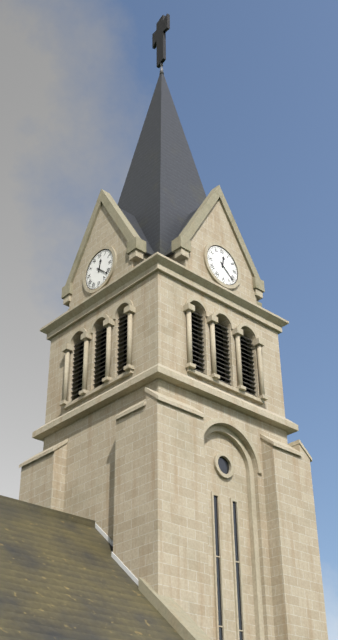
12h22
